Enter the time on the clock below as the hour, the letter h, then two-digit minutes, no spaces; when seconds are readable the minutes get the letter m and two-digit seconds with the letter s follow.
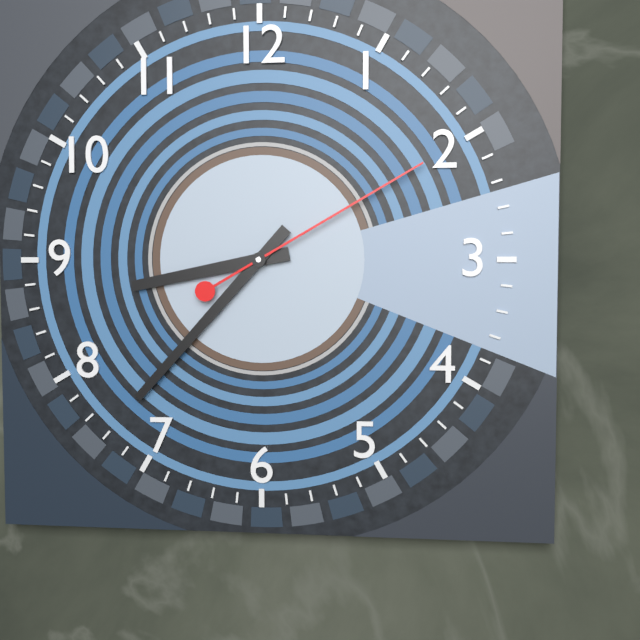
8h37m10s
